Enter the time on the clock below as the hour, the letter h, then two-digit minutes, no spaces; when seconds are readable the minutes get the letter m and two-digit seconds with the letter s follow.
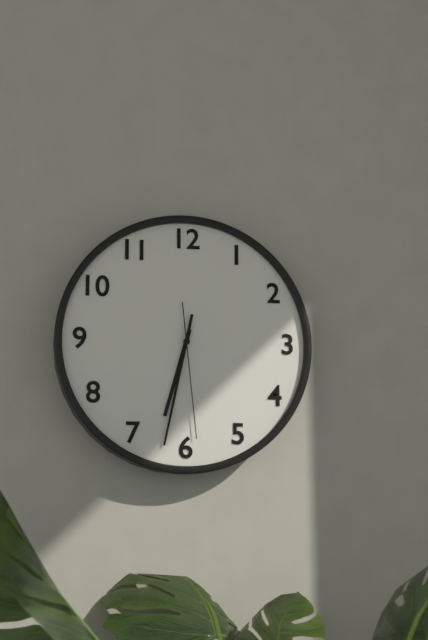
6h32m29s
